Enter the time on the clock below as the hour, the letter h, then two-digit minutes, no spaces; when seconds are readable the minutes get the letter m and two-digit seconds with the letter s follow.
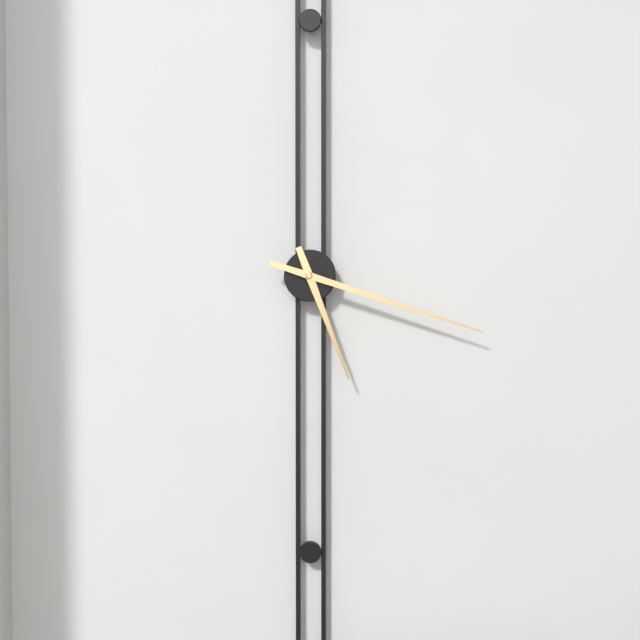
5h18
